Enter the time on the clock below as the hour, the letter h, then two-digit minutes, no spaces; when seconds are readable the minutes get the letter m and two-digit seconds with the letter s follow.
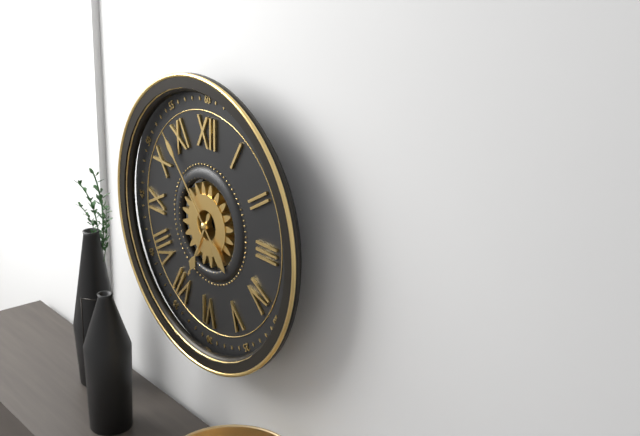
6h53
